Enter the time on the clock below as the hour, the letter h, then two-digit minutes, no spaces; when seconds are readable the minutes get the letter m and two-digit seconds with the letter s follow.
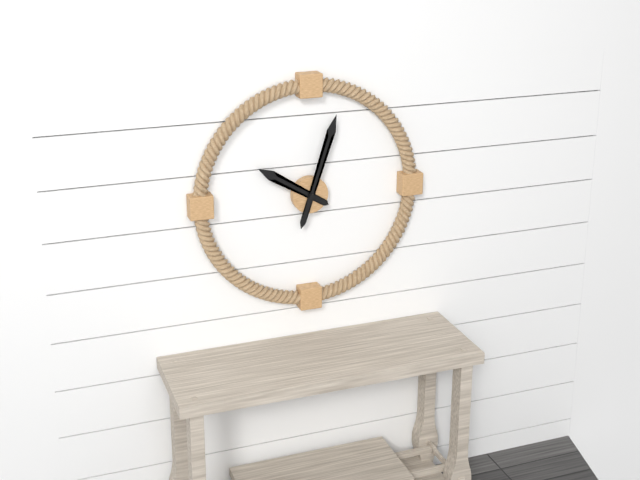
10h03
